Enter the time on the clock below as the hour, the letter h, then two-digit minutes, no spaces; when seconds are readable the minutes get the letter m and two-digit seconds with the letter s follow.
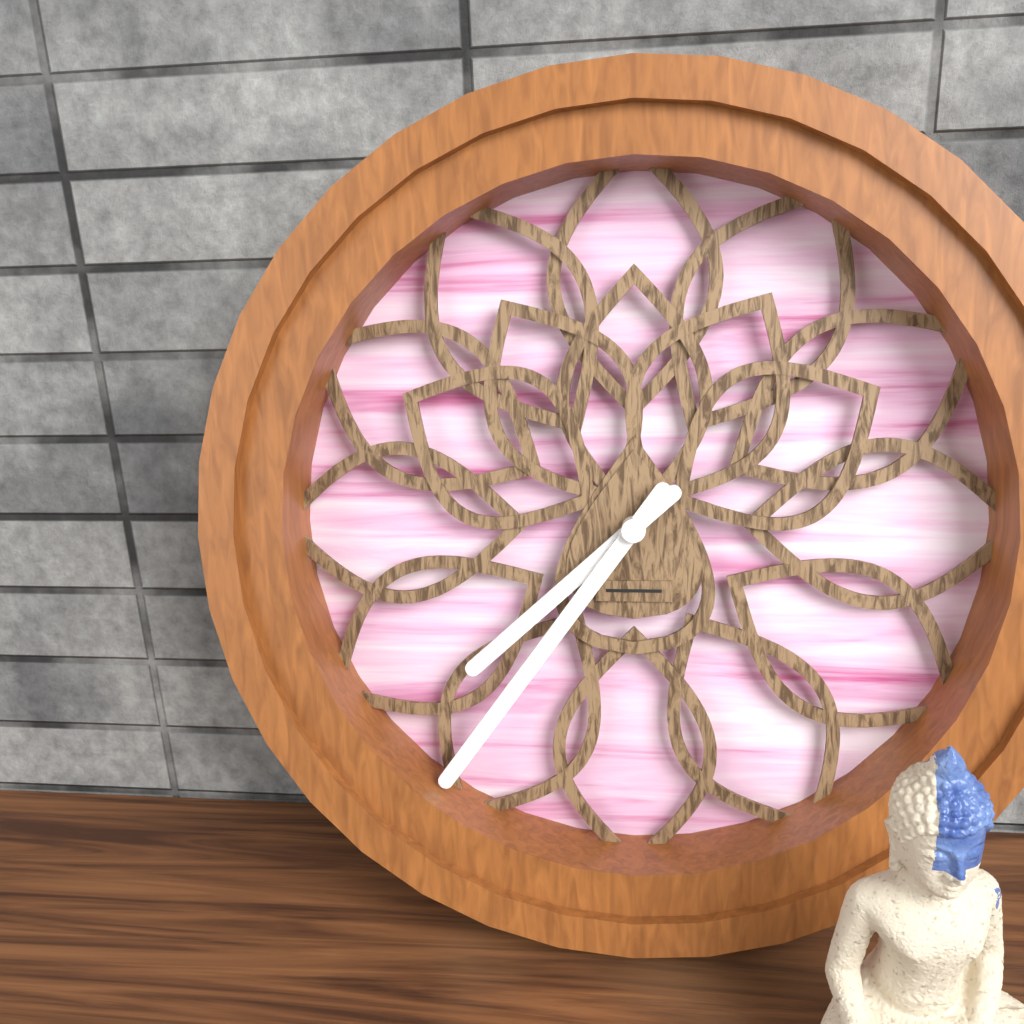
7h36
